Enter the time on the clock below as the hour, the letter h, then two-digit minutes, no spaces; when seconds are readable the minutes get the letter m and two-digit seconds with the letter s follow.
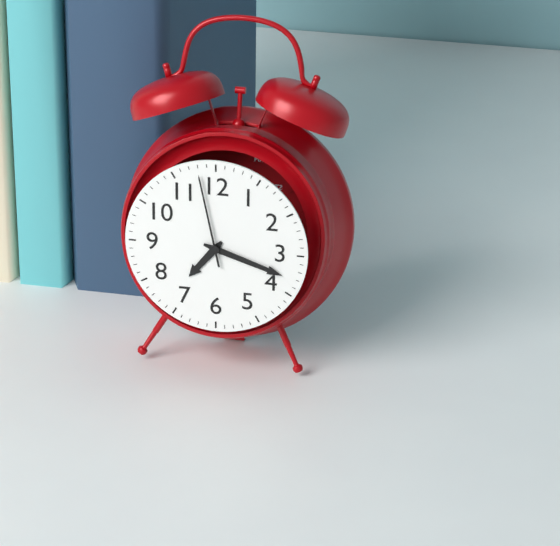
7h18m58s
